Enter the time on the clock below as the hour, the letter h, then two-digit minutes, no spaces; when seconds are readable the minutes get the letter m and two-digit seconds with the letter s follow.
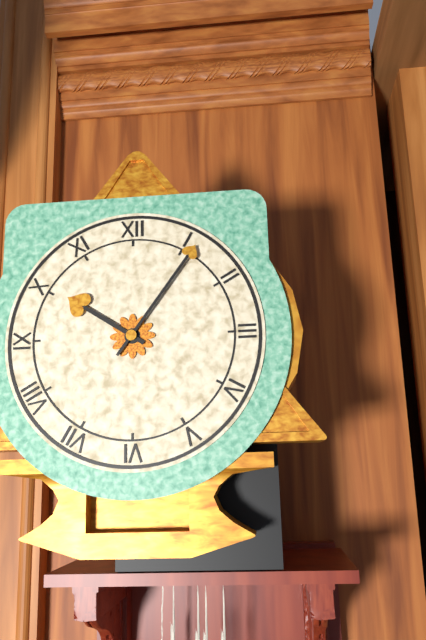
10h06
